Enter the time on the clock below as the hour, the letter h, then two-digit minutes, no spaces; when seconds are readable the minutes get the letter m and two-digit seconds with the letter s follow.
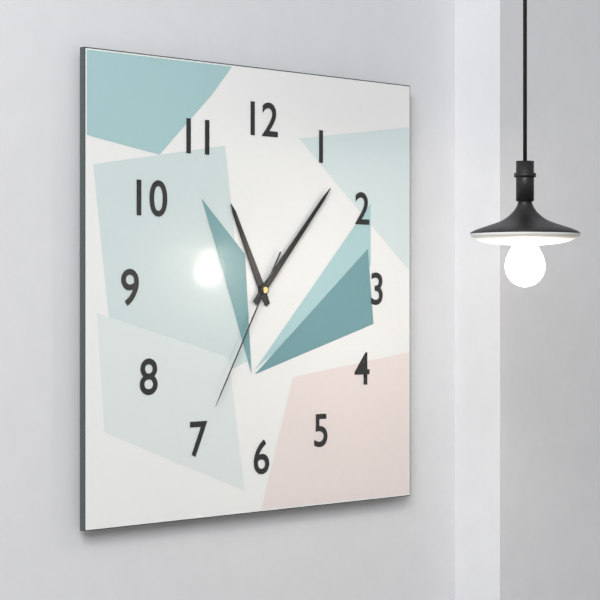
11h07m35s
